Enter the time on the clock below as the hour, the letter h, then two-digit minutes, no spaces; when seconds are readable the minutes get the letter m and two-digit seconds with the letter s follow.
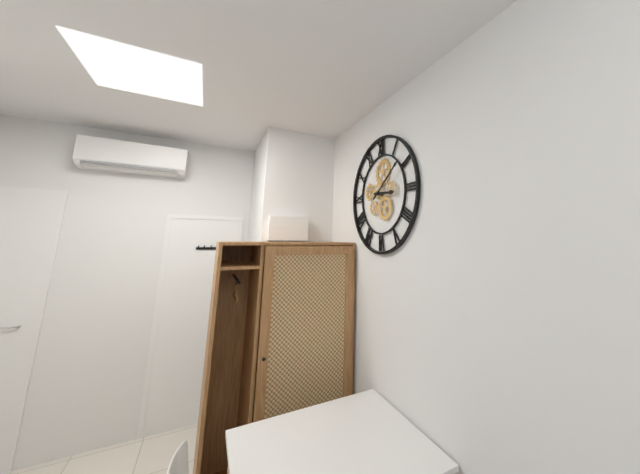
3h09
